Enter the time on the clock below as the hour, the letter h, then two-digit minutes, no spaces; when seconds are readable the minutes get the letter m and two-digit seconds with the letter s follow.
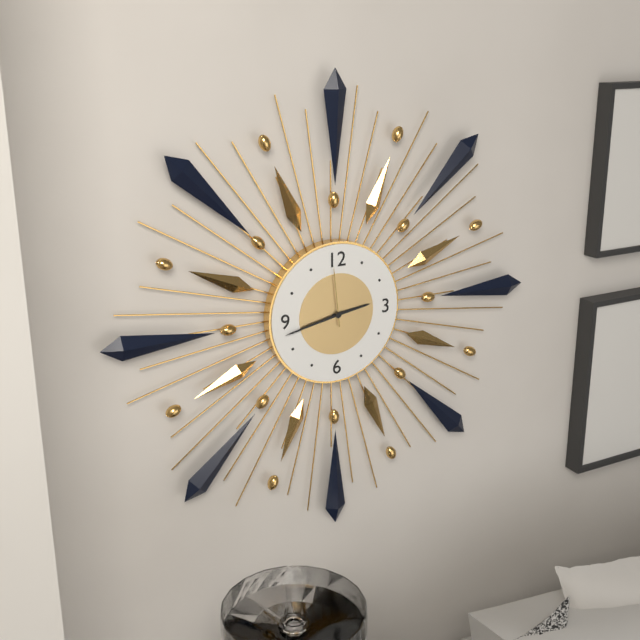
2h43m59s
